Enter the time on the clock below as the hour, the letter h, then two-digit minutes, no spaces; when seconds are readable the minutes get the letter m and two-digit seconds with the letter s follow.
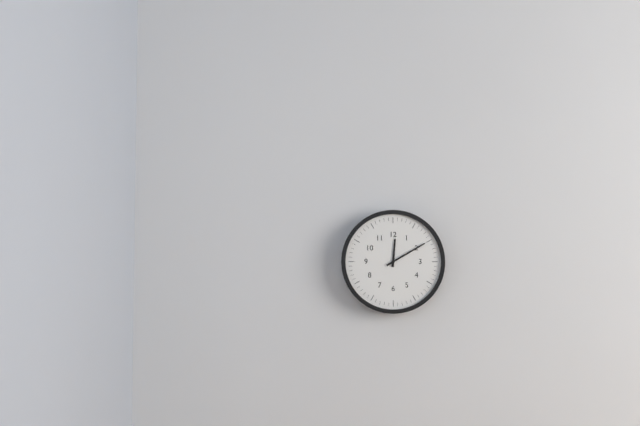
12h10
